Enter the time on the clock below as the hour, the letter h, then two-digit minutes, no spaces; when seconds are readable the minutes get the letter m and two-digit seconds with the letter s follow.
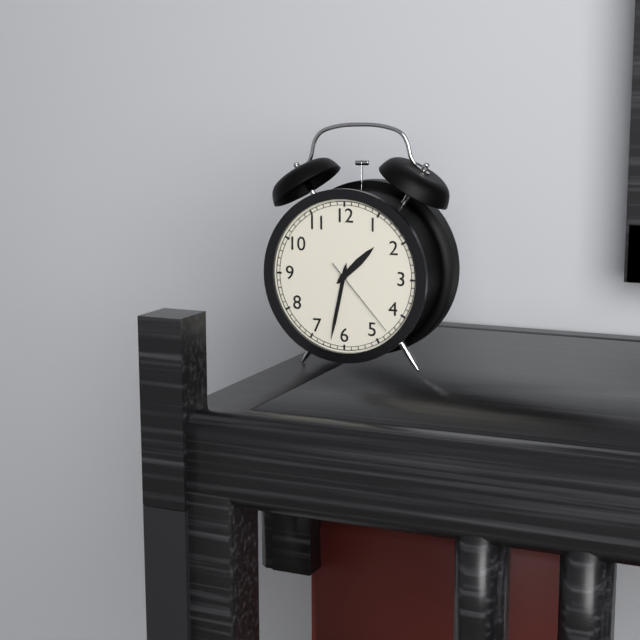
1h32m23s
